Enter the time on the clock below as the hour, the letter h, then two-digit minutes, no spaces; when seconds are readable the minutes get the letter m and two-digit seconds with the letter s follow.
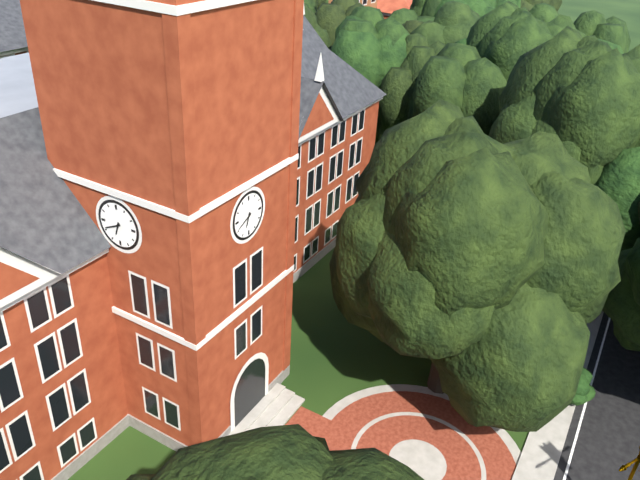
6h41
